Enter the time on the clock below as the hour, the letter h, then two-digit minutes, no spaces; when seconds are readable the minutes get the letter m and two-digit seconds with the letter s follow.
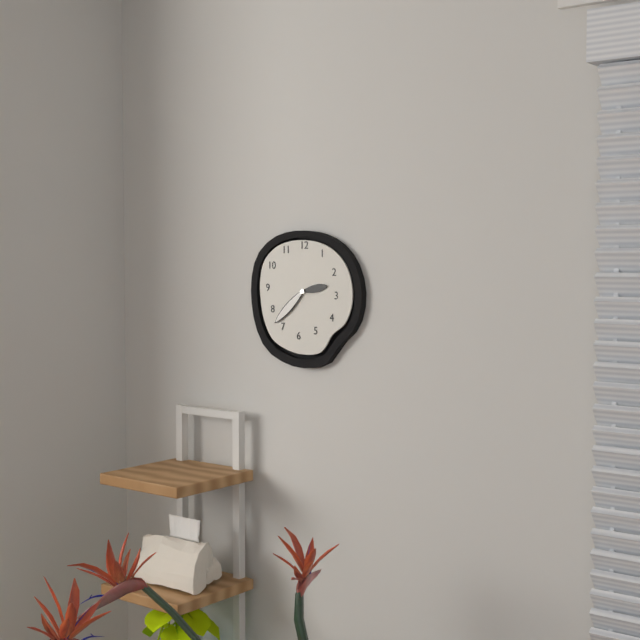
2h38
